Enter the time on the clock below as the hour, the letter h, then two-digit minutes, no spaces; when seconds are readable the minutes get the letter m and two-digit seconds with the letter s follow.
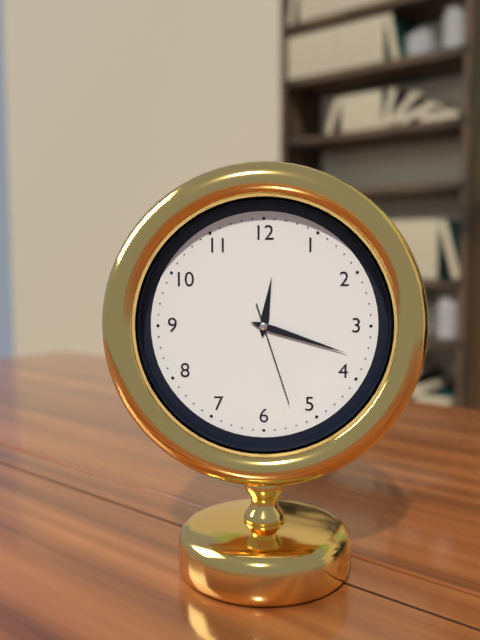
12h18m27s
